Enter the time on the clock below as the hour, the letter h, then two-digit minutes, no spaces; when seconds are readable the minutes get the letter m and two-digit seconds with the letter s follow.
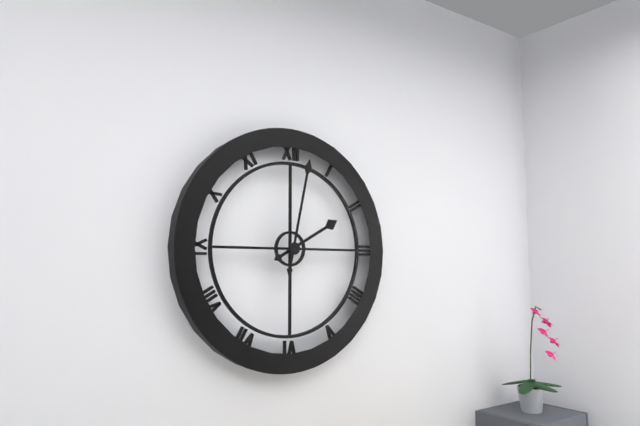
2h02
